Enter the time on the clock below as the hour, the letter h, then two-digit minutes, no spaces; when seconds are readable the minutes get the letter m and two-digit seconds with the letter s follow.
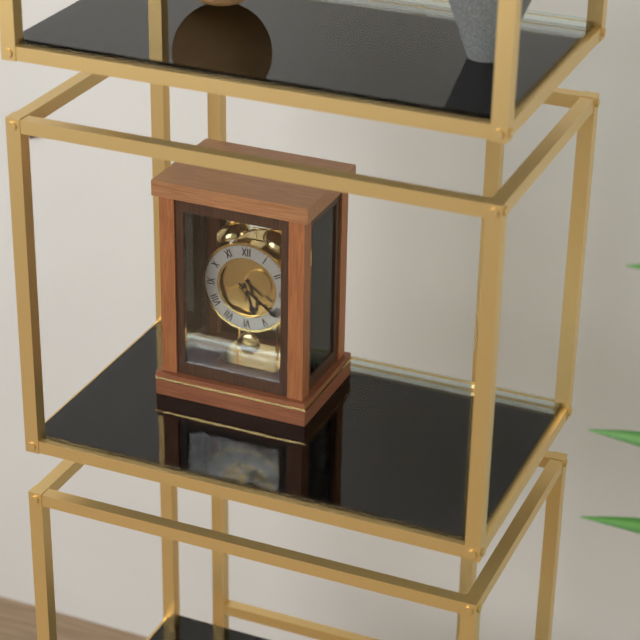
5h21
